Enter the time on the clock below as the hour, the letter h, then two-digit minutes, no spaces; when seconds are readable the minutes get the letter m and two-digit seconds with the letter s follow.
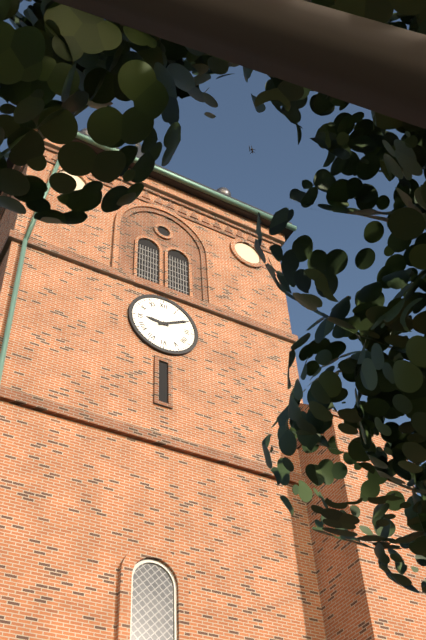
9h10
